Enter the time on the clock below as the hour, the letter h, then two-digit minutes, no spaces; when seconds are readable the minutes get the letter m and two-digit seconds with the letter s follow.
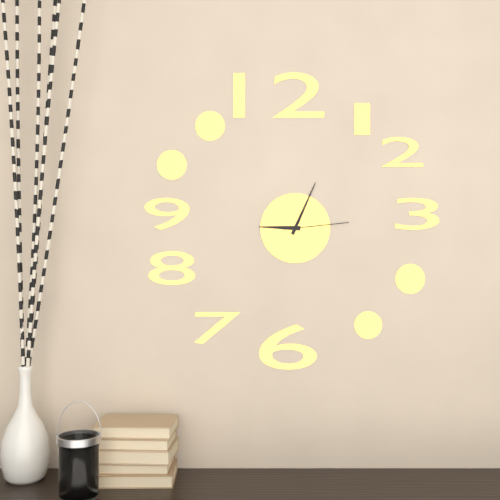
9h04m14s
